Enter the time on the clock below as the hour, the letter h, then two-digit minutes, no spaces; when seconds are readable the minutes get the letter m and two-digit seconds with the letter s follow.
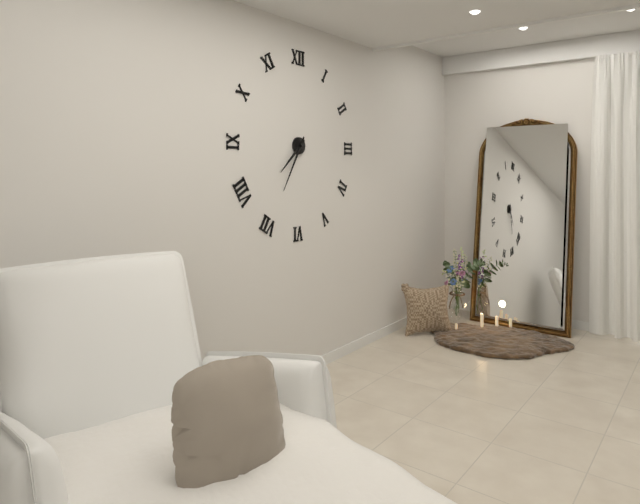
7h35
